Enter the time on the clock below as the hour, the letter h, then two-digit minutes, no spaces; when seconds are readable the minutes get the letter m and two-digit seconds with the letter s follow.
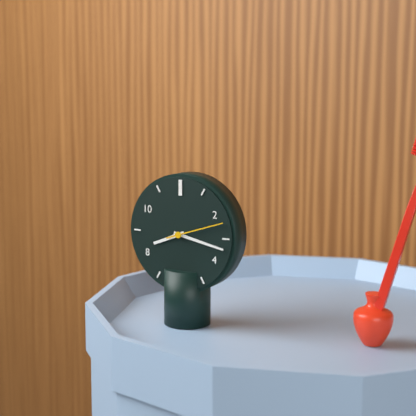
8h17m12s
